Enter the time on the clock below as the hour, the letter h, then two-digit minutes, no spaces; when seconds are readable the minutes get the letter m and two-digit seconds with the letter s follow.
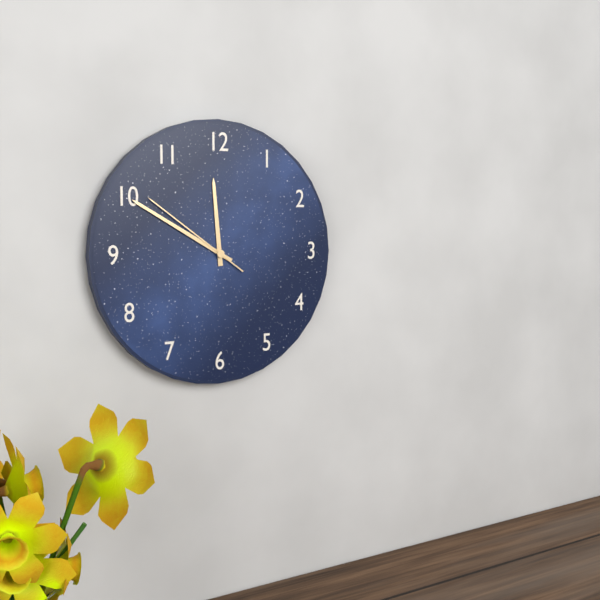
11h50m51s
